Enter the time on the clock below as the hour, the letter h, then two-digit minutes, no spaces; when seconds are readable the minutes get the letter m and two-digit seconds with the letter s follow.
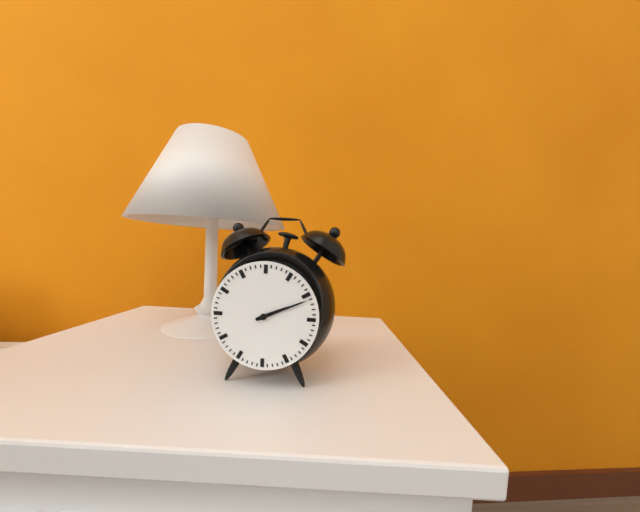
2h11
